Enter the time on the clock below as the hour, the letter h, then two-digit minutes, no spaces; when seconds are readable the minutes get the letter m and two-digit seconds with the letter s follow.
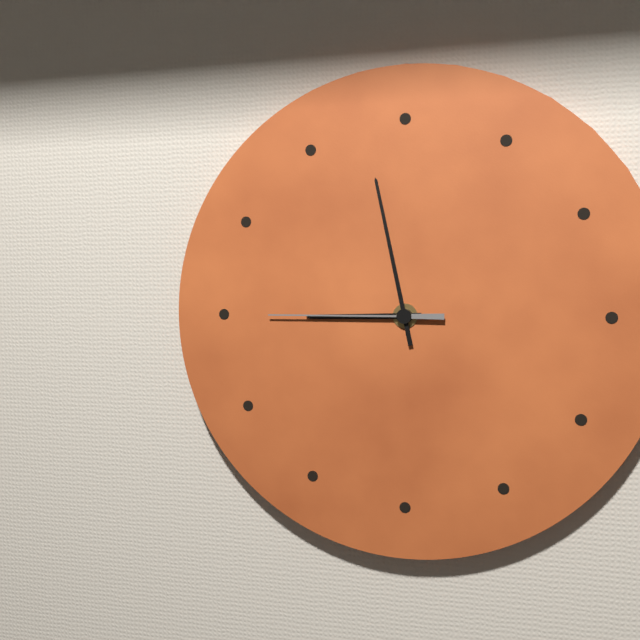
8h58m45s
